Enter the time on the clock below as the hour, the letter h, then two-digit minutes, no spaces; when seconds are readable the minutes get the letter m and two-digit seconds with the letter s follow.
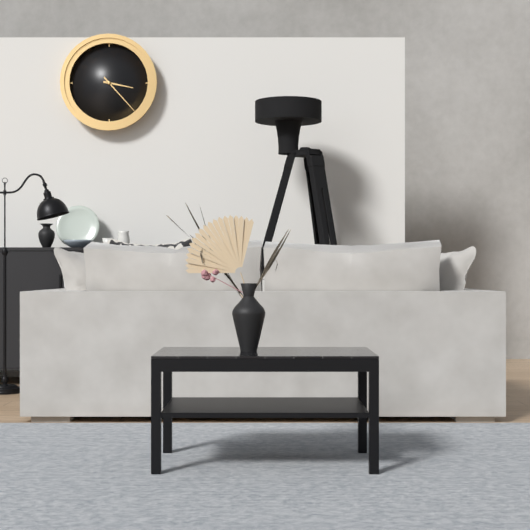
3h23
